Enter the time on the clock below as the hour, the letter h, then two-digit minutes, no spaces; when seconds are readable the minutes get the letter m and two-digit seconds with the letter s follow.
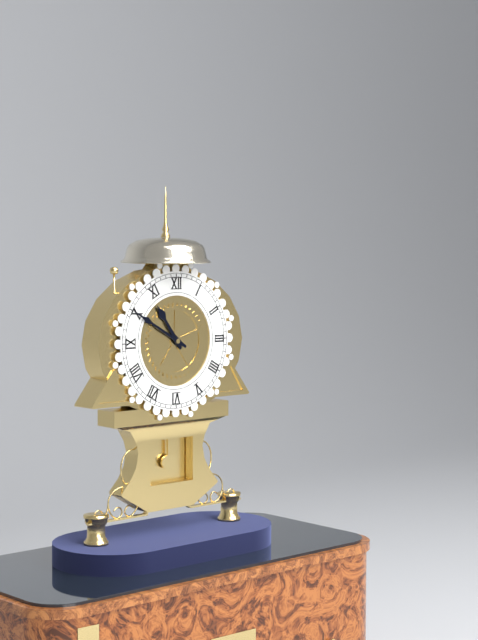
10h50
